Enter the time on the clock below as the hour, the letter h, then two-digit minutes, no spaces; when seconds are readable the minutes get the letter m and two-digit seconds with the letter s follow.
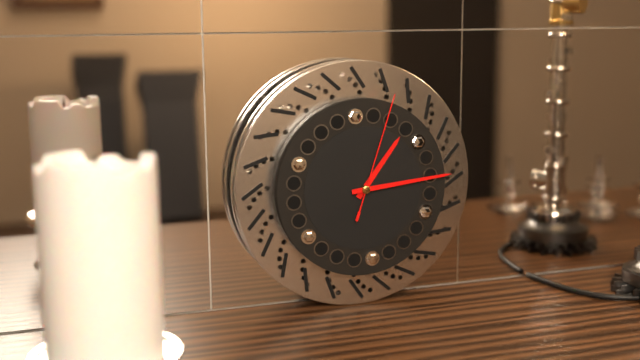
1h14m03s
